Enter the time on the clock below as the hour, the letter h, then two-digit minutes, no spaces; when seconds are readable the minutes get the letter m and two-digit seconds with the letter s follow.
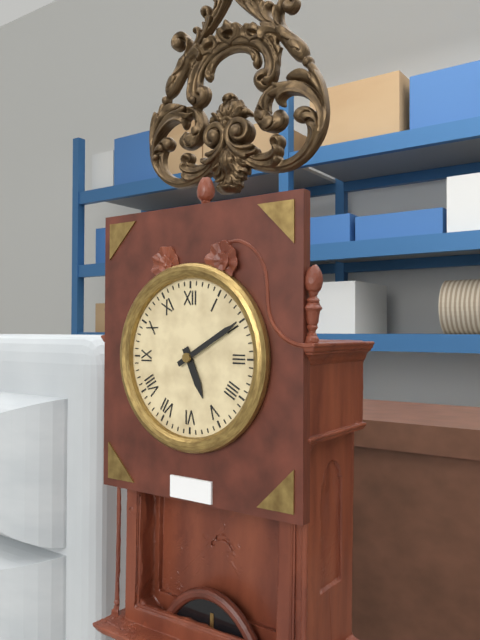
5h10
